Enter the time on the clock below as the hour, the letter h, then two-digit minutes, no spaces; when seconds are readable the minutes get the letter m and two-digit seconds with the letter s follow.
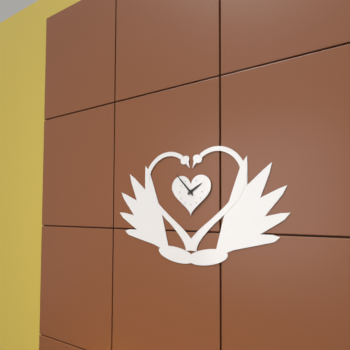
1h53
